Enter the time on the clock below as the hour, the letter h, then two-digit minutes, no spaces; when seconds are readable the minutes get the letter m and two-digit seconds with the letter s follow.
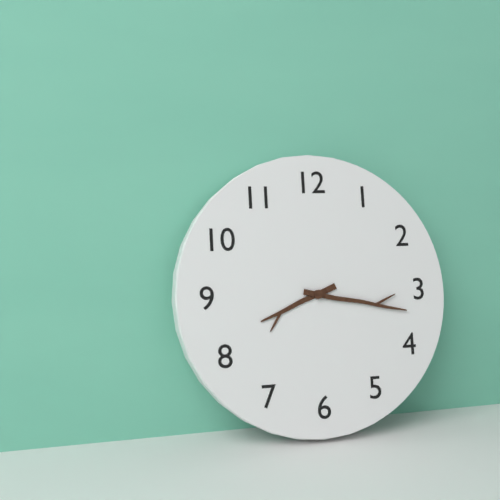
8h17
